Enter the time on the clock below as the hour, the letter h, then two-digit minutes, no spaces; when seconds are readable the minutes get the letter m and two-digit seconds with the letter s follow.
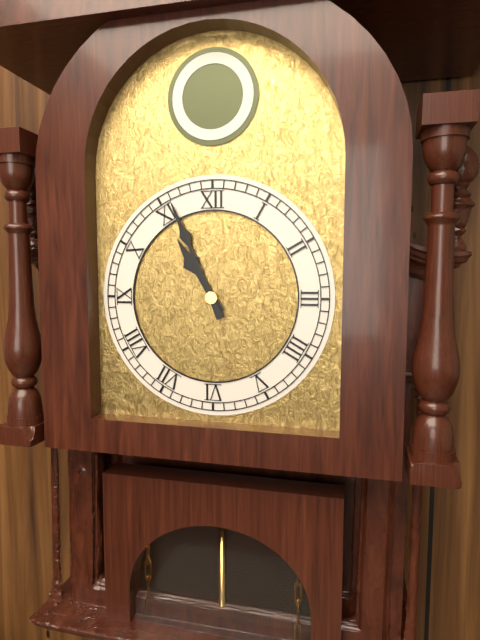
10h56
